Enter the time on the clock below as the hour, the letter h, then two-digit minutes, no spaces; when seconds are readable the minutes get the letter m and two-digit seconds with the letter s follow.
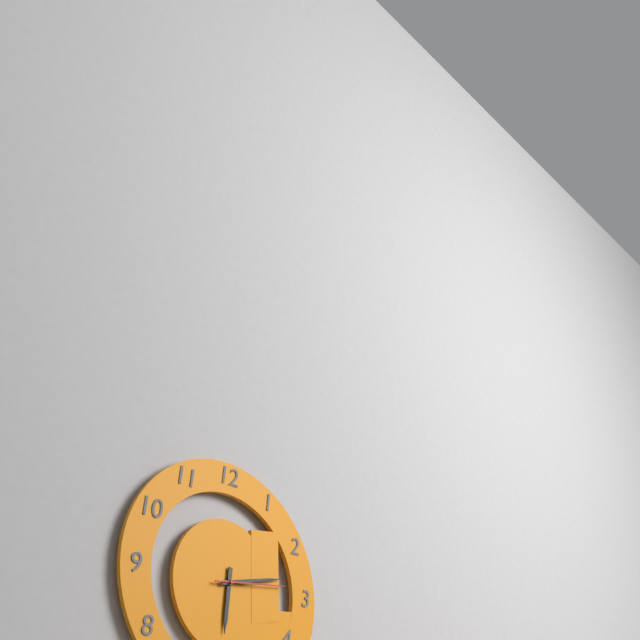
6h13m14s
